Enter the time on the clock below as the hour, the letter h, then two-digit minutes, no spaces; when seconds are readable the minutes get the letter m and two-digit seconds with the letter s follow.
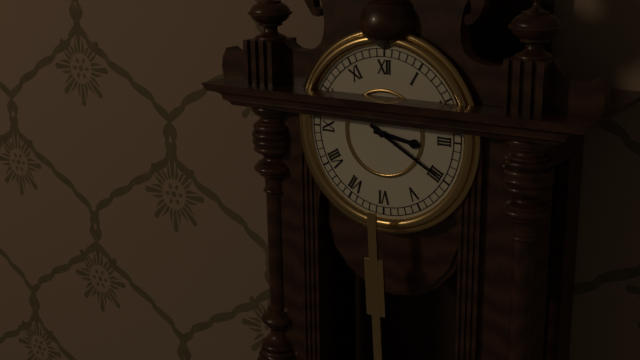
3h20
